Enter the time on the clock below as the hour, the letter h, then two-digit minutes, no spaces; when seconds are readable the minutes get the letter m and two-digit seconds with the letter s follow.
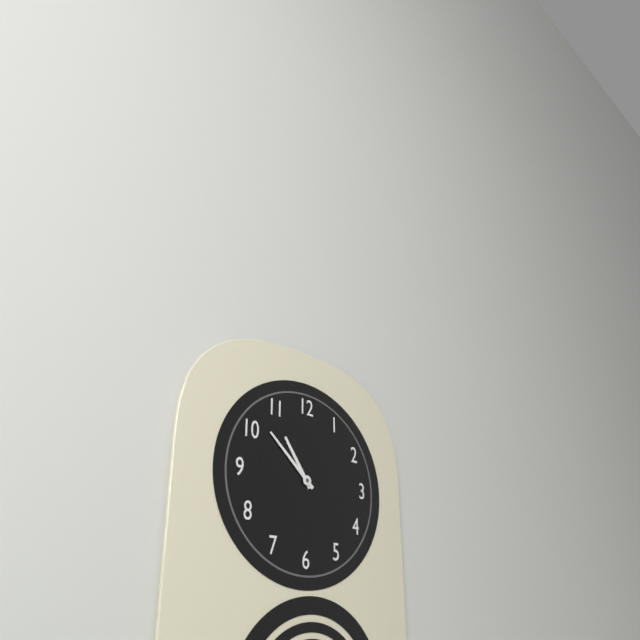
10h52
